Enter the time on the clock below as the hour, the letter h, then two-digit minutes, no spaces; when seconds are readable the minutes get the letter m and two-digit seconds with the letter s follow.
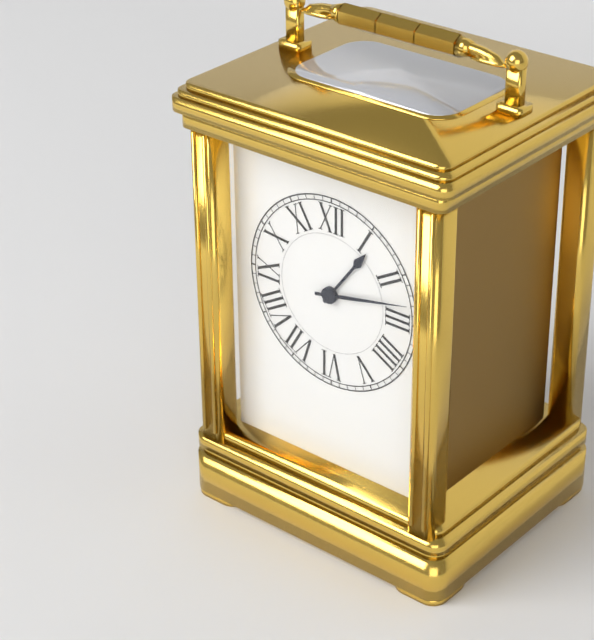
1h13
